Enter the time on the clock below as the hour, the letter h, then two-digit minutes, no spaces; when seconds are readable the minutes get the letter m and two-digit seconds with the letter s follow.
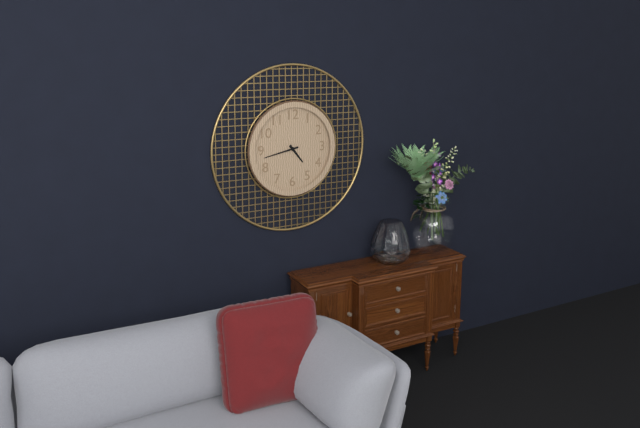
4h43
